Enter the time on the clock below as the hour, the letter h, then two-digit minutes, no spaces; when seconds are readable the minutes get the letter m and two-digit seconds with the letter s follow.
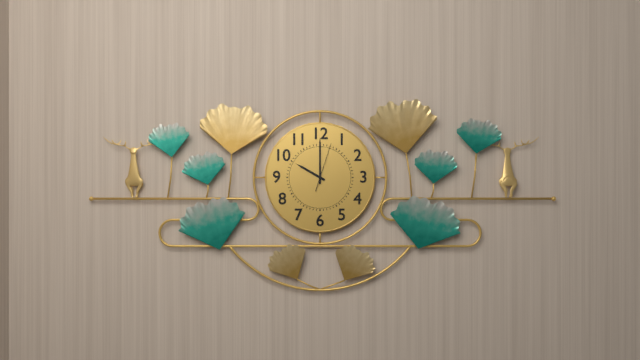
10h00
